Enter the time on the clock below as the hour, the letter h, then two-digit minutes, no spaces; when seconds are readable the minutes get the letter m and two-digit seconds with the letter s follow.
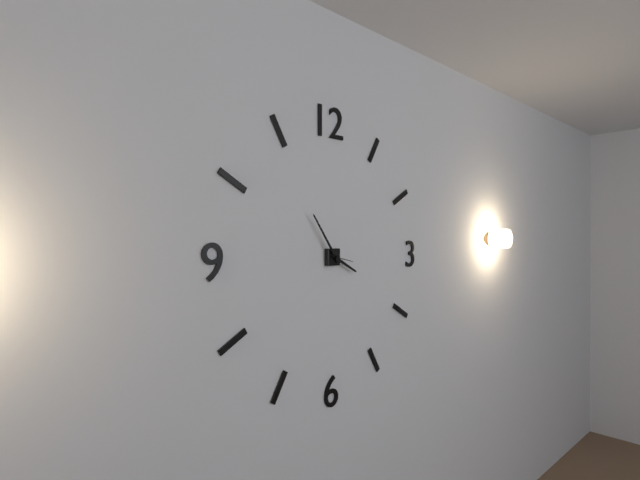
3h54
